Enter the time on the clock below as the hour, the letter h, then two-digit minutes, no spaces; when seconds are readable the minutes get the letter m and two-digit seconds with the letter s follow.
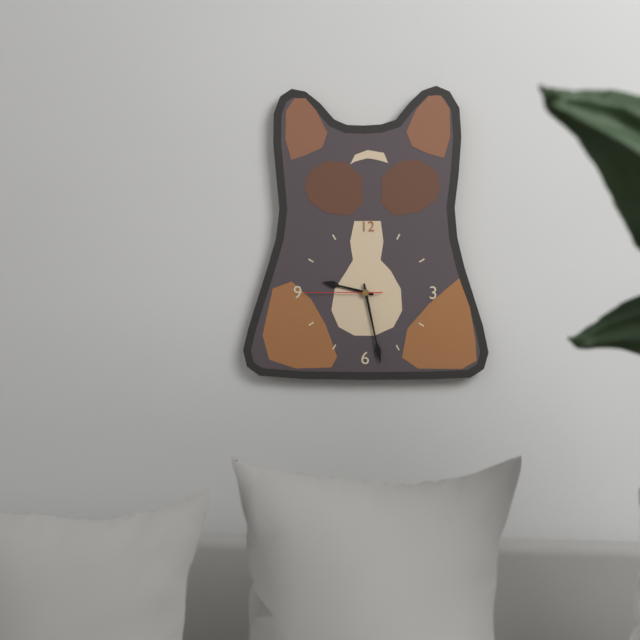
9h28m45s
